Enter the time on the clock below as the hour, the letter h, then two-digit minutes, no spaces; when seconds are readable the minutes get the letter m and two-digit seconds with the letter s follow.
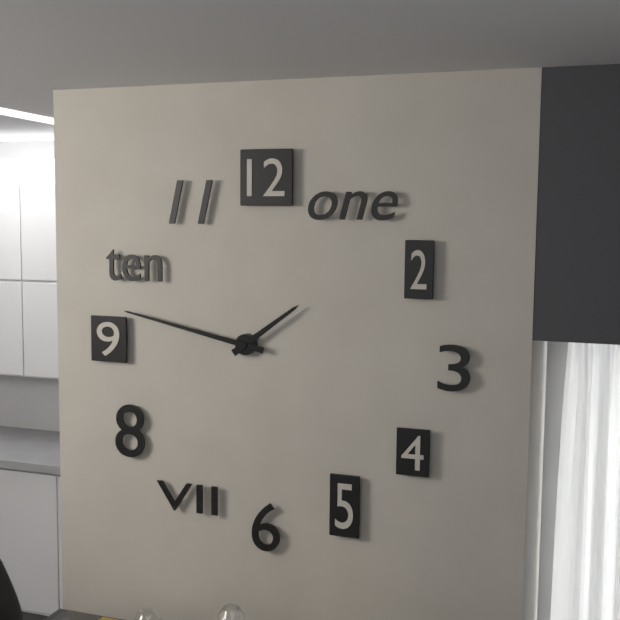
1h47
